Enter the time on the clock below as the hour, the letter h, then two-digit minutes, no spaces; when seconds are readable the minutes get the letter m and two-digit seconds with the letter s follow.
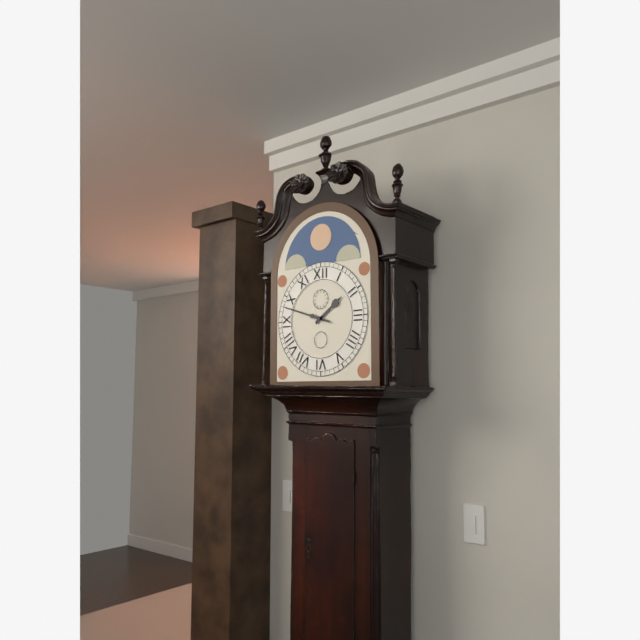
1h48
